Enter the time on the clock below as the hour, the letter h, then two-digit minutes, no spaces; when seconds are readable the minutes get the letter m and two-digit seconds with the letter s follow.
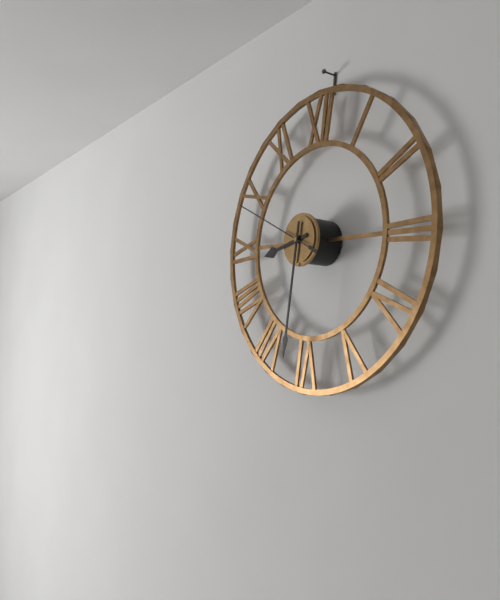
8h31m49s
